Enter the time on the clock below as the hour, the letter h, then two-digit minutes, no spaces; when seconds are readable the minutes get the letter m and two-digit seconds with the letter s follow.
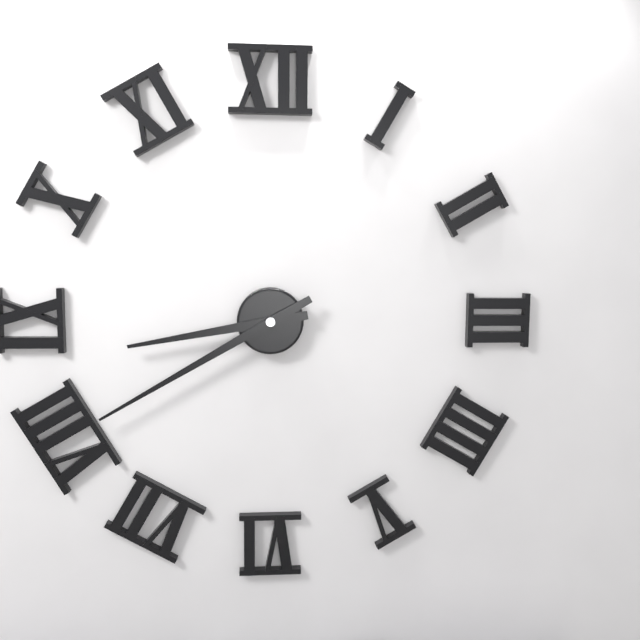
8h40
